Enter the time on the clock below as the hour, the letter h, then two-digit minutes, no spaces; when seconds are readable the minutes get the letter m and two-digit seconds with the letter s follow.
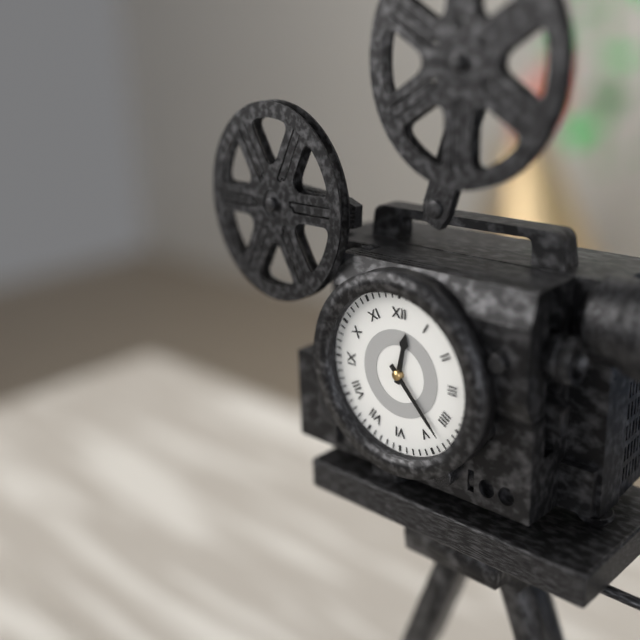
12h23
